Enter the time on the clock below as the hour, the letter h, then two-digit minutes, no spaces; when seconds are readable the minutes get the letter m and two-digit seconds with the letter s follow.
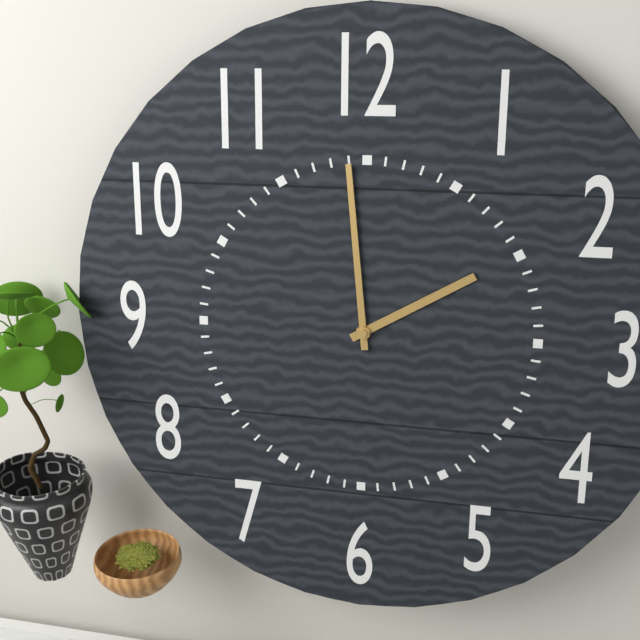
1h59
